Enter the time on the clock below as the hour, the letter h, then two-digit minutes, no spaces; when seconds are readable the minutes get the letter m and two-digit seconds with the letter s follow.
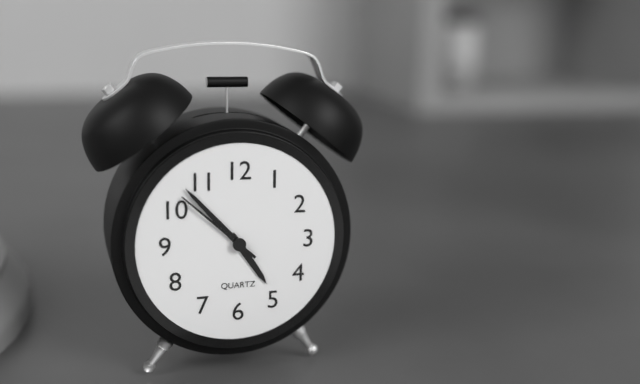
4h53m52s
